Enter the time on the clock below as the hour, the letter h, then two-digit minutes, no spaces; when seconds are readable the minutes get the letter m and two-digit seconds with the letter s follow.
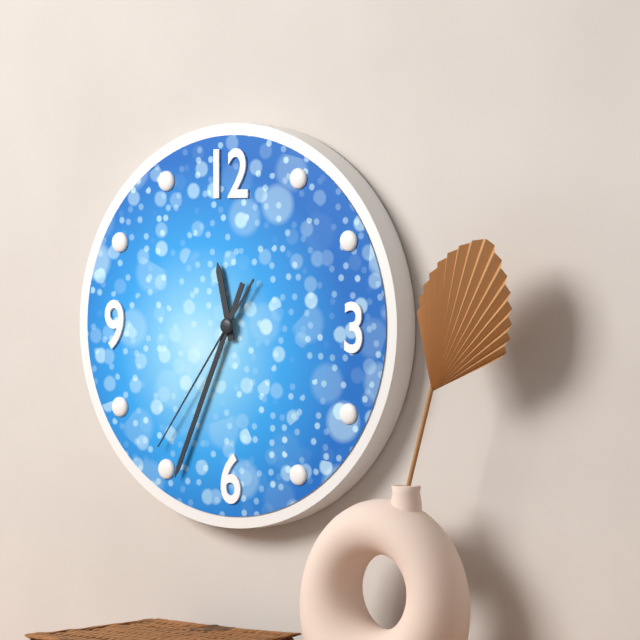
11h34m36s
